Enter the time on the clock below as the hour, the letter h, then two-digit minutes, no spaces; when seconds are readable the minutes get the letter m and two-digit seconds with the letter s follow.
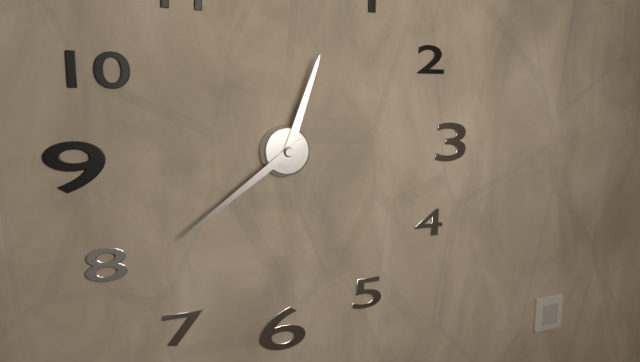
12h39
